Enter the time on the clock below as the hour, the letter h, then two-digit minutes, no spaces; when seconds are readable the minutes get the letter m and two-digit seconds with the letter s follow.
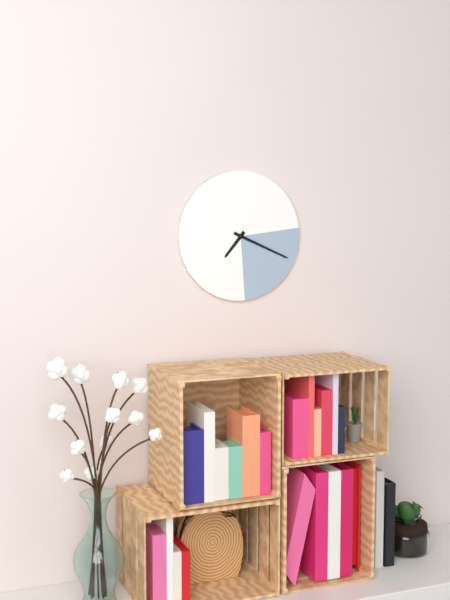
7h19
